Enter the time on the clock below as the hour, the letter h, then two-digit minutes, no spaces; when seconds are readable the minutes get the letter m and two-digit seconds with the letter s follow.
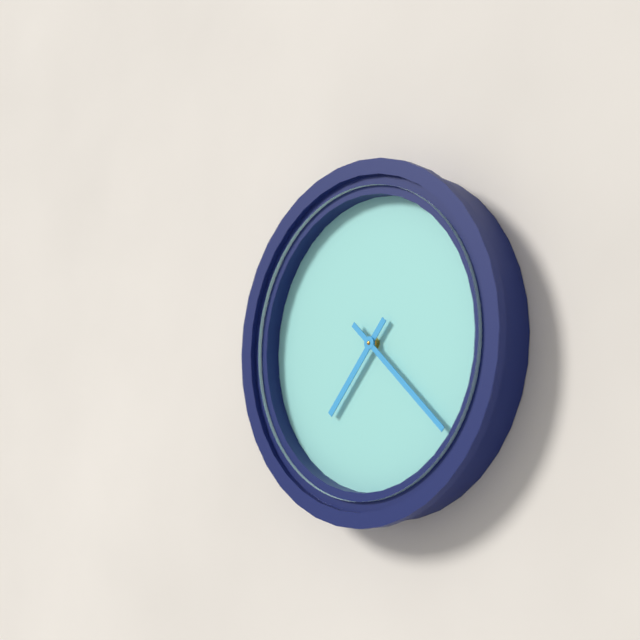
7h22
